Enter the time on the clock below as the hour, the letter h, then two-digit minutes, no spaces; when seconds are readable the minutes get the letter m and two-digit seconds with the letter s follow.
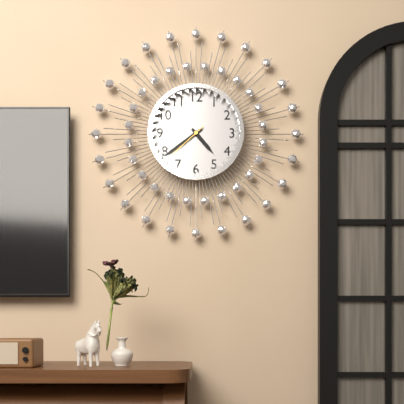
4h39
